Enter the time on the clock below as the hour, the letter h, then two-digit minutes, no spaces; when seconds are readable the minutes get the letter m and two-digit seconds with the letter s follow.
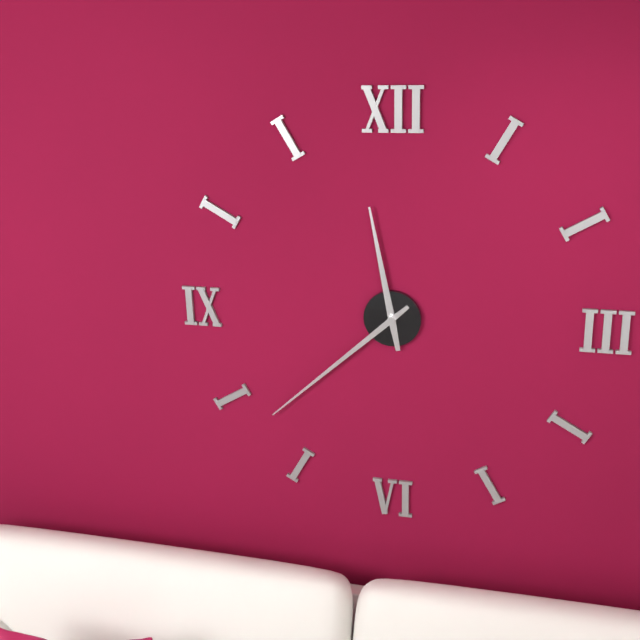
11h38
